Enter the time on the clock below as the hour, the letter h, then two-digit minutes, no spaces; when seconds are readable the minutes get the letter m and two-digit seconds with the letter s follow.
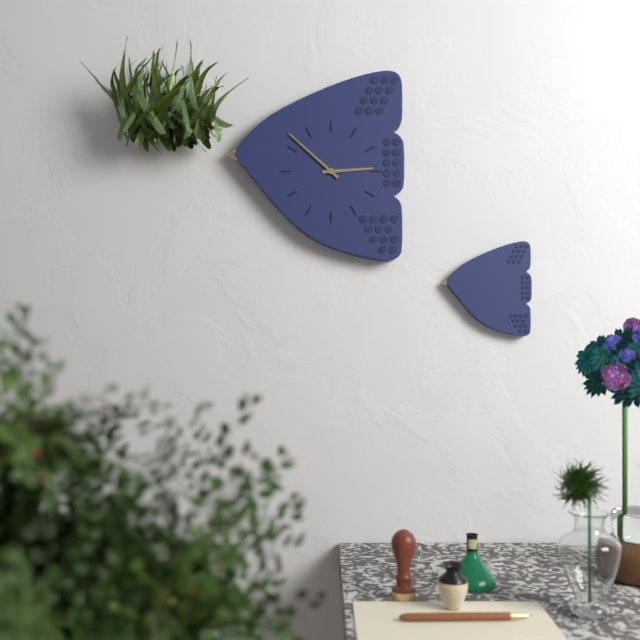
2h52
